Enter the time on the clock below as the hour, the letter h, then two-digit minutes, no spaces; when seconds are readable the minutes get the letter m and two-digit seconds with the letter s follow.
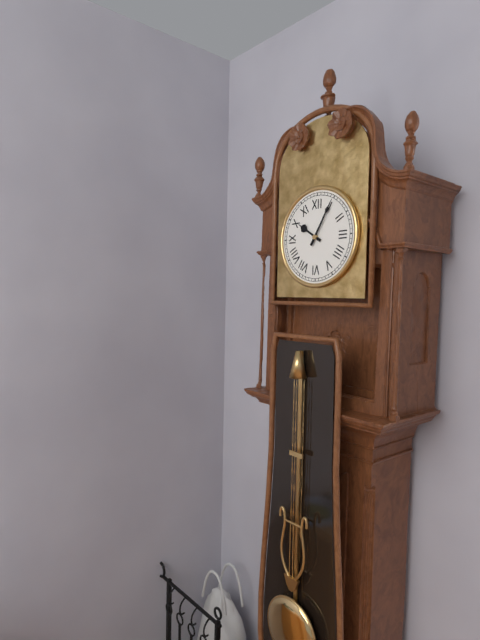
10h05
